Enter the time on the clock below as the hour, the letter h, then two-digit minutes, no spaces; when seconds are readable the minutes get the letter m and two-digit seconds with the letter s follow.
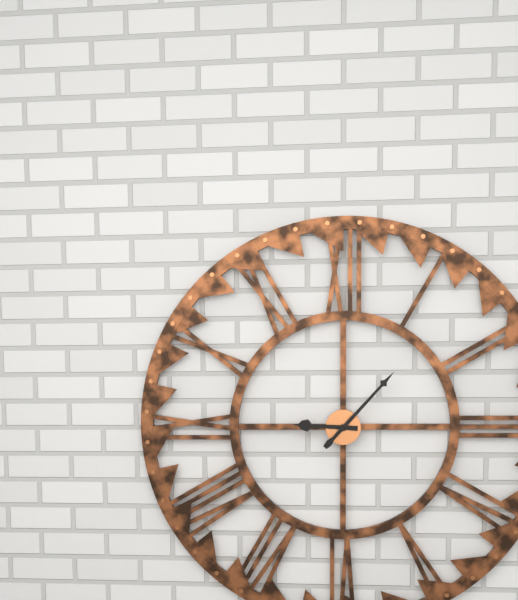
9h07
